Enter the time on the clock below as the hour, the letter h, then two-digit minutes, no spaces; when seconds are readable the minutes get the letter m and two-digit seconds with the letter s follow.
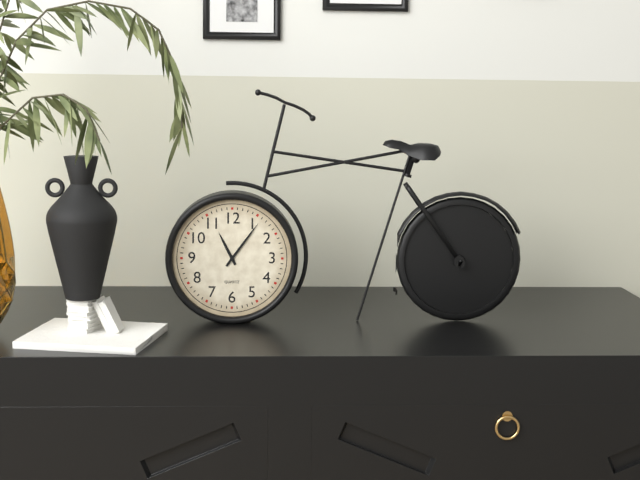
11h06
